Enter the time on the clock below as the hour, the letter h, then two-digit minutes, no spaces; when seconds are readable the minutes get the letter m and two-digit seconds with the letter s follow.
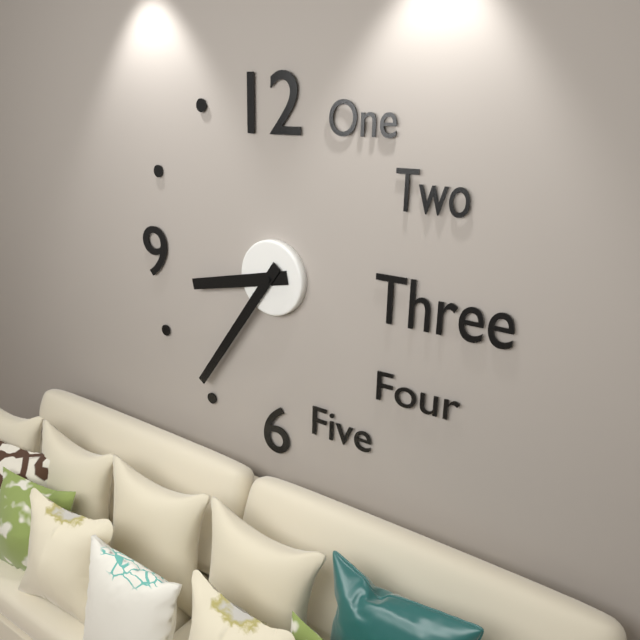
8h36
